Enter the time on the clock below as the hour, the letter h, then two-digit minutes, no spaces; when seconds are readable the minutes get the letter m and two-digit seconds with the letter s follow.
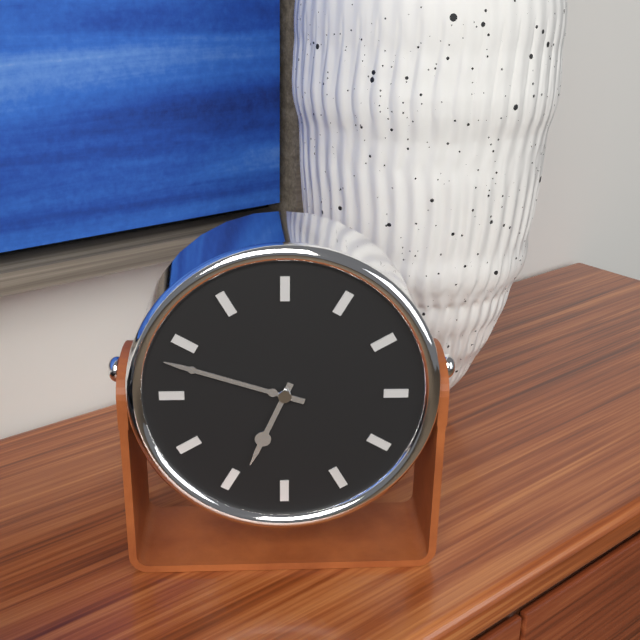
6h48
